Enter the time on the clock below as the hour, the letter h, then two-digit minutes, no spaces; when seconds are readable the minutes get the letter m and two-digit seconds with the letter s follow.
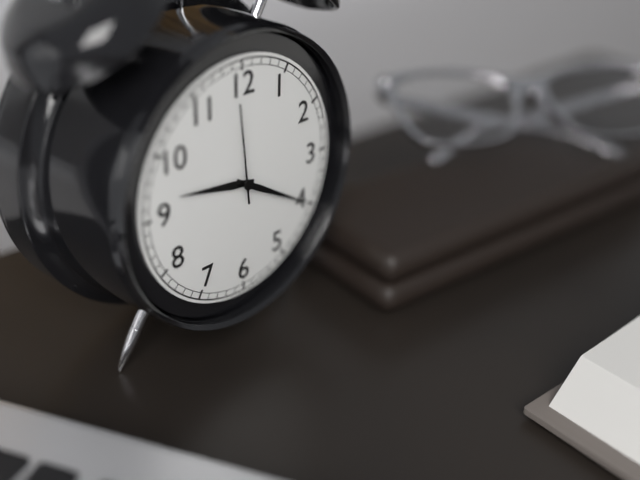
9h20m59s
